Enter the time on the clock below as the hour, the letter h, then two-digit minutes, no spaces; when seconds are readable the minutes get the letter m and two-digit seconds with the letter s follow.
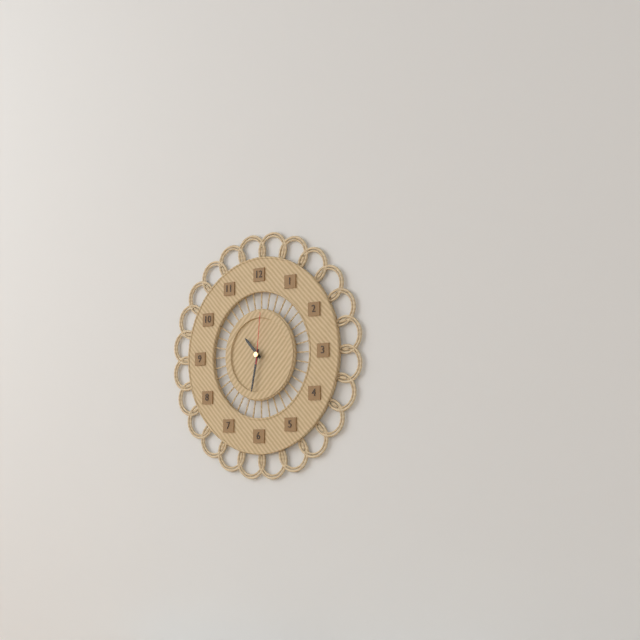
10h32m01s
